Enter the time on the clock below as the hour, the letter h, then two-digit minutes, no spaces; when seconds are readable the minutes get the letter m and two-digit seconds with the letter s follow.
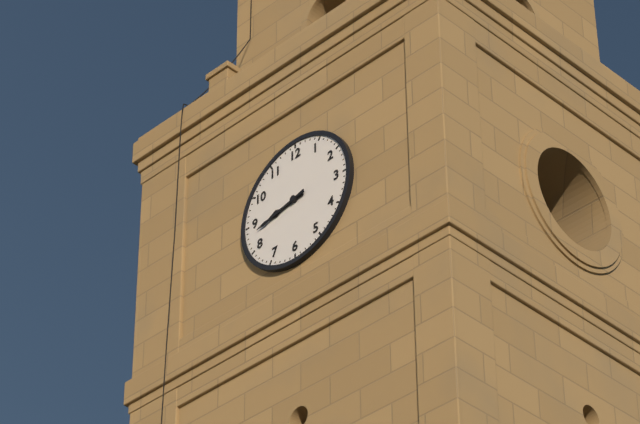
8h43
